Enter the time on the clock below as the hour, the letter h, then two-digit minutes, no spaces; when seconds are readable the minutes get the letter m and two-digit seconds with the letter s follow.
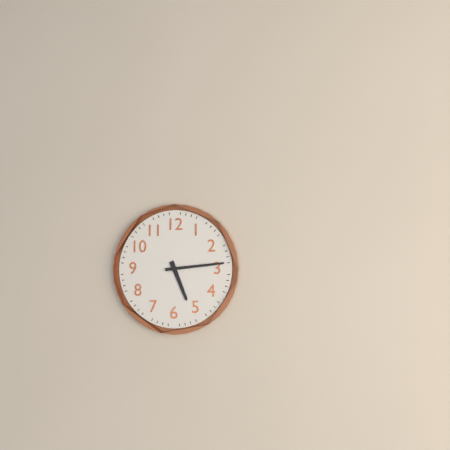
5h14
